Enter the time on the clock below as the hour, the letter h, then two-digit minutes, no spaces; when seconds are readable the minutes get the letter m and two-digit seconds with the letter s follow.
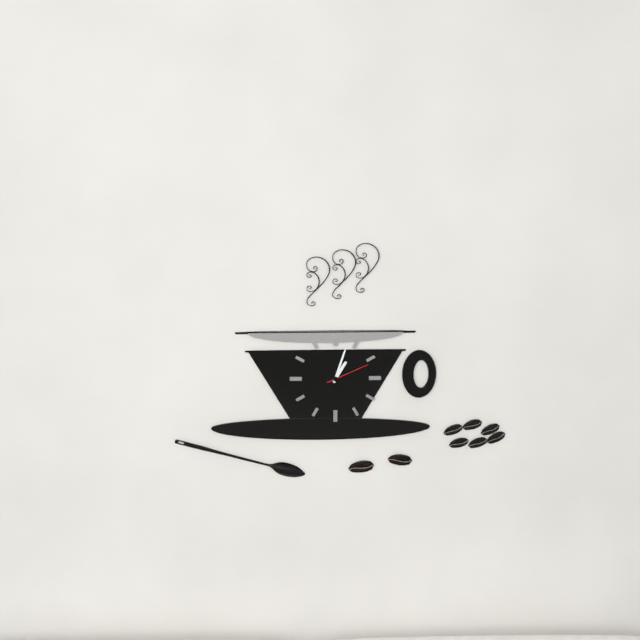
1h03
